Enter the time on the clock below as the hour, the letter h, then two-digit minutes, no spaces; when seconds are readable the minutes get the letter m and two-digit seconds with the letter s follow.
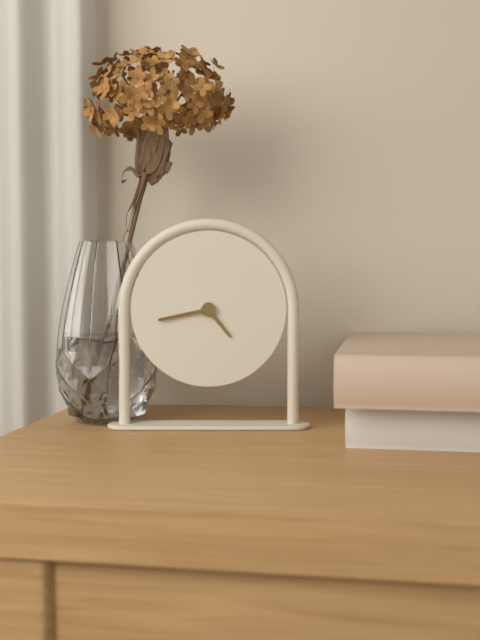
4h43
